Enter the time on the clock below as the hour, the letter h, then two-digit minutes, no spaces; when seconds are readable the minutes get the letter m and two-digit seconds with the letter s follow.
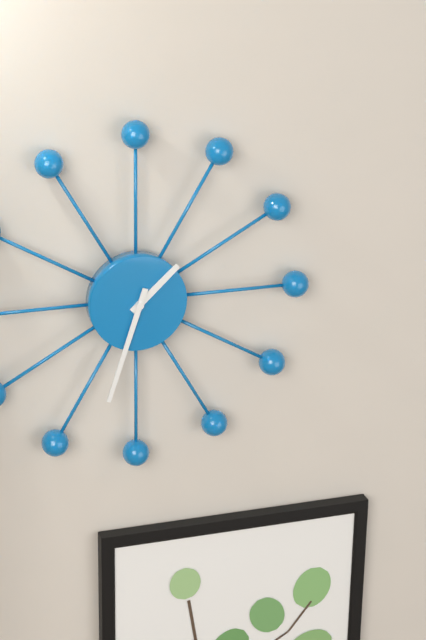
1h33
